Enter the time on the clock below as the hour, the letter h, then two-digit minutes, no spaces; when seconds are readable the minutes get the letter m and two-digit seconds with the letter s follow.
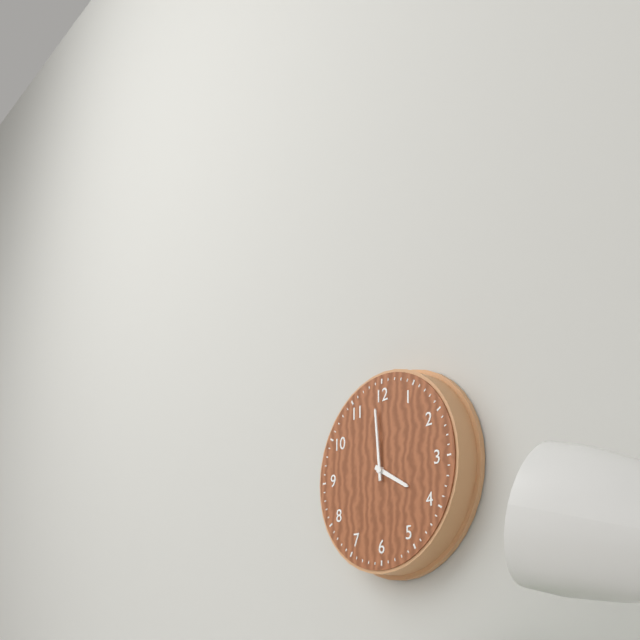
3h59
